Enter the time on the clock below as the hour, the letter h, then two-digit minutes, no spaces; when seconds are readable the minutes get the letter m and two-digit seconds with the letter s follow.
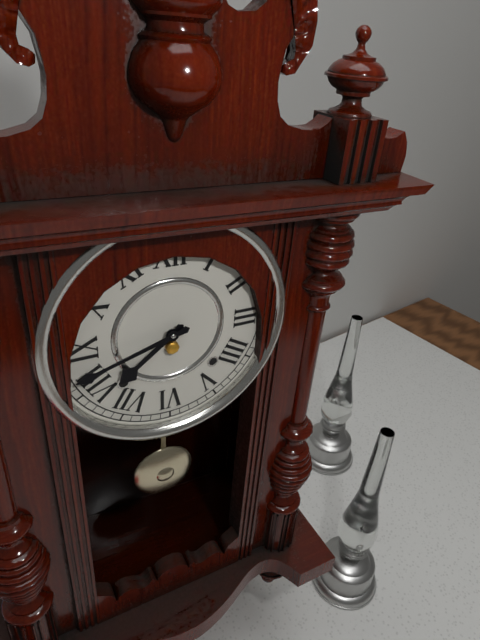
7h42
